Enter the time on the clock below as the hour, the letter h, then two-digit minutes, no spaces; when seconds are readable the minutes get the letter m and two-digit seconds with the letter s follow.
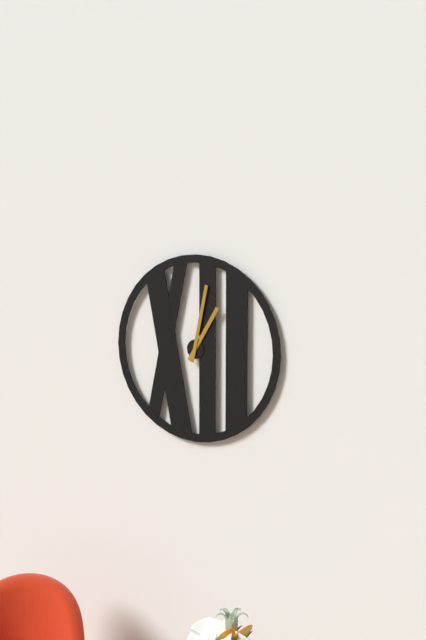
1h02
